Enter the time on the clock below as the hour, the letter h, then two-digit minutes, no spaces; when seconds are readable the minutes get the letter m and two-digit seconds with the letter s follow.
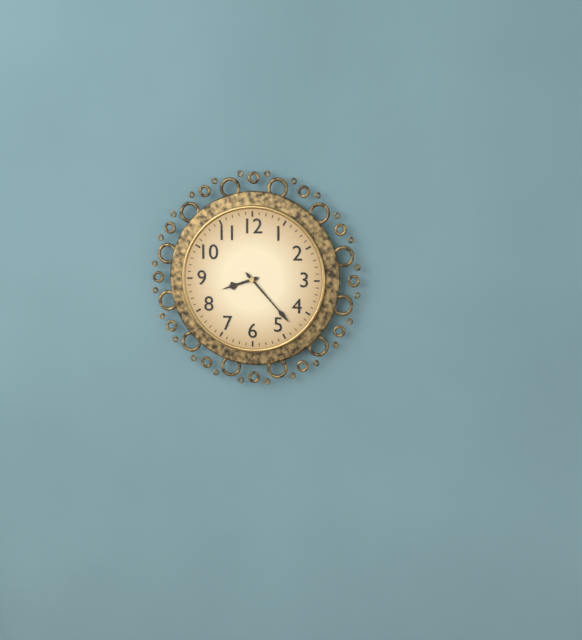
8h23
